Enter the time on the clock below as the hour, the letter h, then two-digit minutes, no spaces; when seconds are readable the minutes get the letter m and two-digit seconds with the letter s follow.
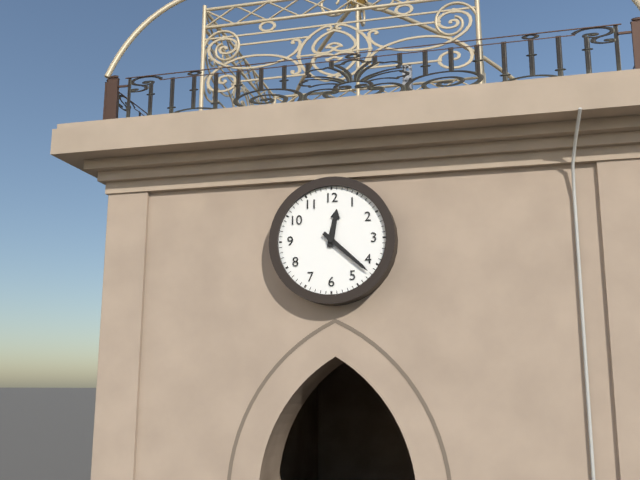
12h22
